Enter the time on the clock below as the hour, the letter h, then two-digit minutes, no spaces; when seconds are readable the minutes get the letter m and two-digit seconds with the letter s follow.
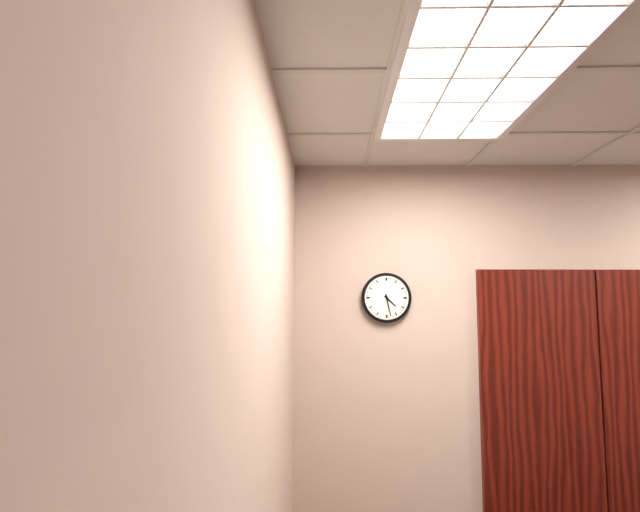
4h28
